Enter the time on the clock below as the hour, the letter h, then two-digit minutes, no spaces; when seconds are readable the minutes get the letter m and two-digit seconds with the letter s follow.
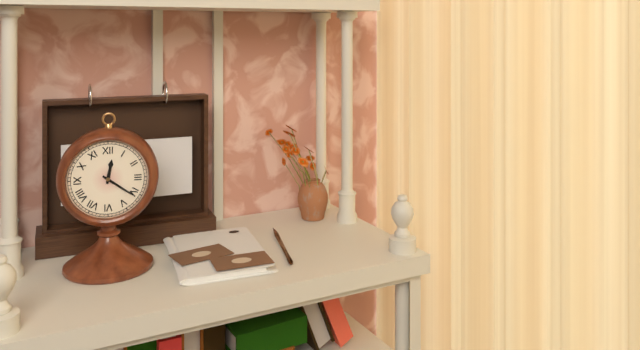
12h21
